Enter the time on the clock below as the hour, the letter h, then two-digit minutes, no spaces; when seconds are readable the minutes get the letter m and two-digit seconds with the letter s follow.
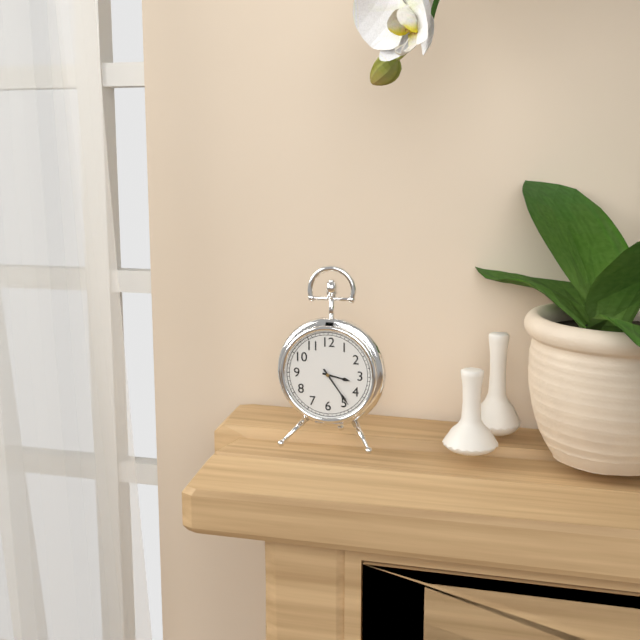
3h24
